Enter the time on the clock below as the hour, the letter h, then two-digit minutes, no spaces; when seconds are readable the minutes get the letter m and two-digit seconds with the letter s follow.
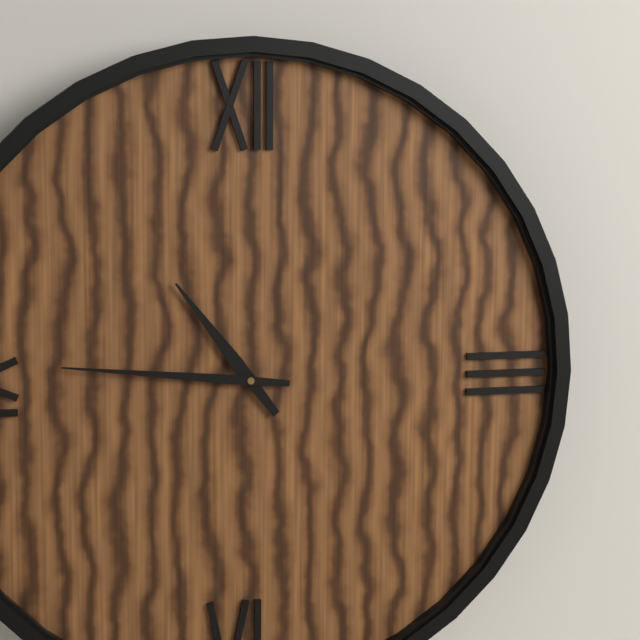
10h46
